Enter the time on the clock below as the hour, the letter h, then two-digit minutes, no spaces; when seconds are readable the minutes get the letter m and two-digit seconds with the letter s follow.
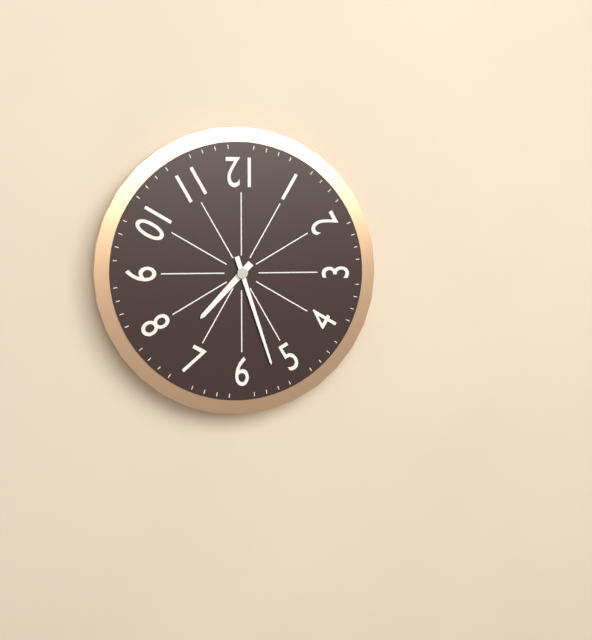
7h27
